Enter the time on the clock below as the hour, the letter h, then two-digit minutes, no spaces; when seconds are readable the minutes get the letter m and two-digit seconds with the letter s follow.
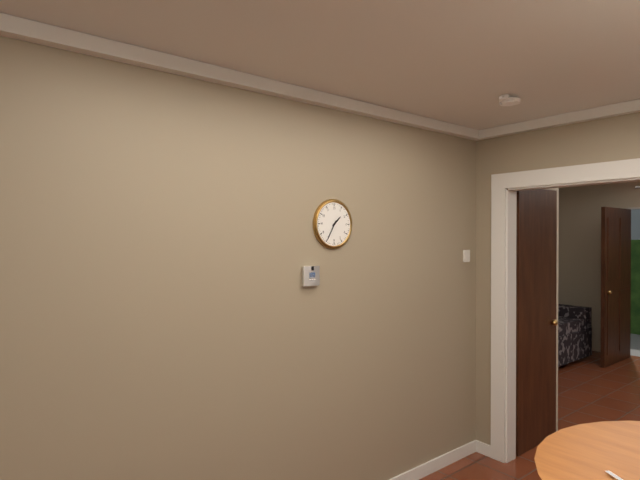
1h35
